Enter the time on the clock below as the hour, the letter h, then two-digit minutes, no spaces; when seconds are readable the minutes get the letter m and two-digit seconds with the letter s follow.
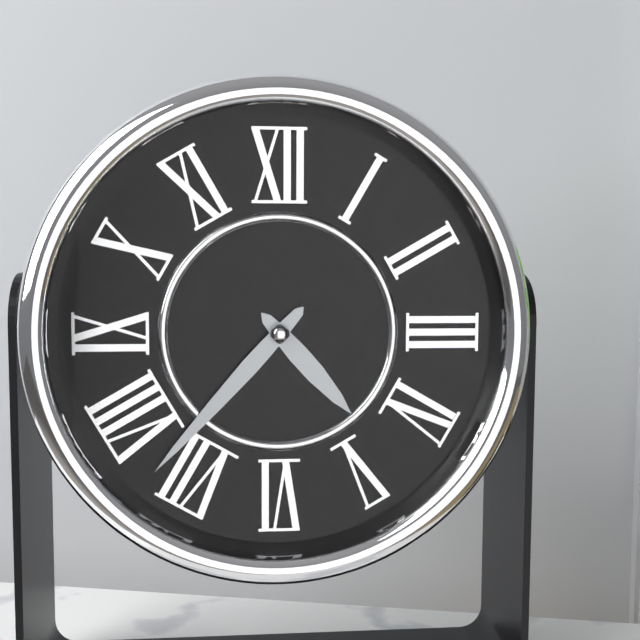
4h37
